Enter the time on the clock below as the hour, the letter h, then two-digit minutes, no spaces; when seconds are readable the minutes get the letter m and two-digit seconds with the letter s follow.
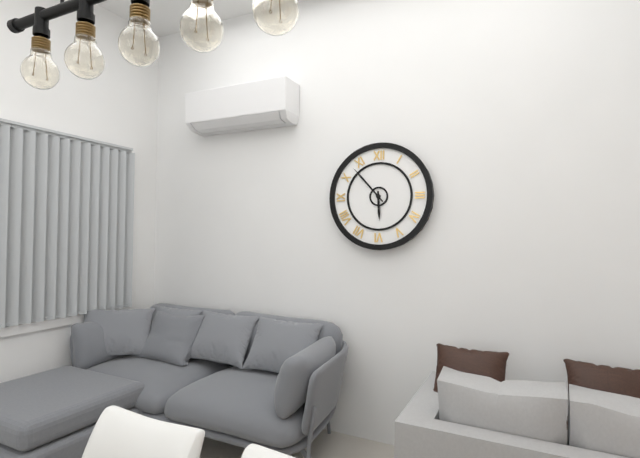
5h53
